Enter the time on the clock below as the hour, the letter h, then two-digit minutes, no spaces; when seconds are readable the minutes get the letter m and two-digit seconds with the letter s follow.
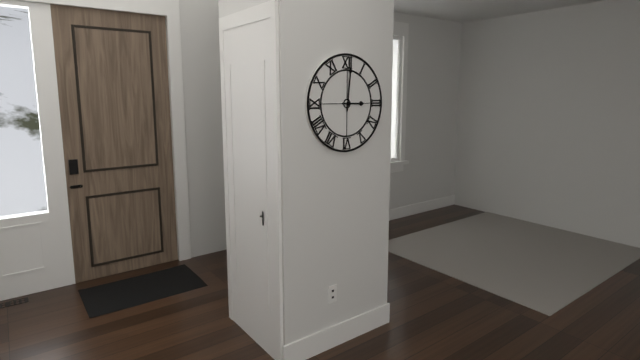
3h01
